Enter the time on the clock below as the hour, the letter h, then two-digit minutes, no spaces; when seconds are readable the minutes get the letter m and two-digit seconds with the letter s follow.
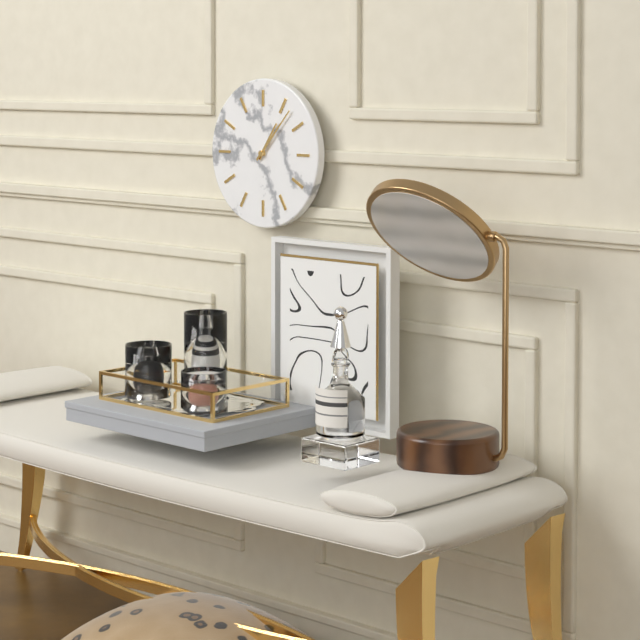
1h07
